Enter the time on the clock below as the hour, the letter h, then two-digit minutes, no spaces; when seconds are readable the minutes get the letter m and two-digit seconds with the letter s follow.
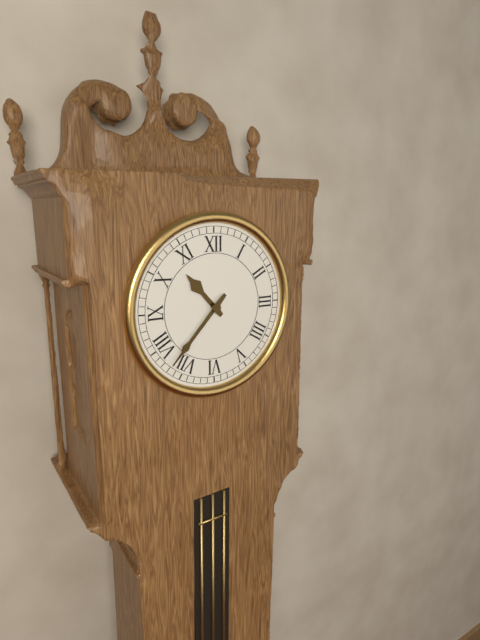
10h37
